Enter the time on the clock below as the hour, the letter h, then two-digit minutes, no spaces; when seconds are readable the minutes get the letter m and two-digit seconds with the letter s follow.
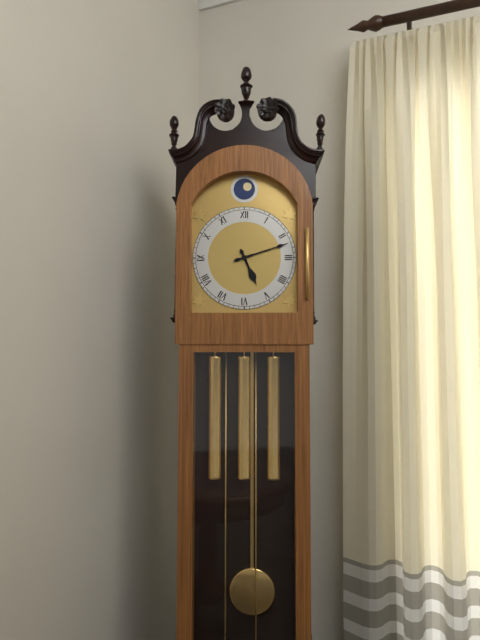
5h12
